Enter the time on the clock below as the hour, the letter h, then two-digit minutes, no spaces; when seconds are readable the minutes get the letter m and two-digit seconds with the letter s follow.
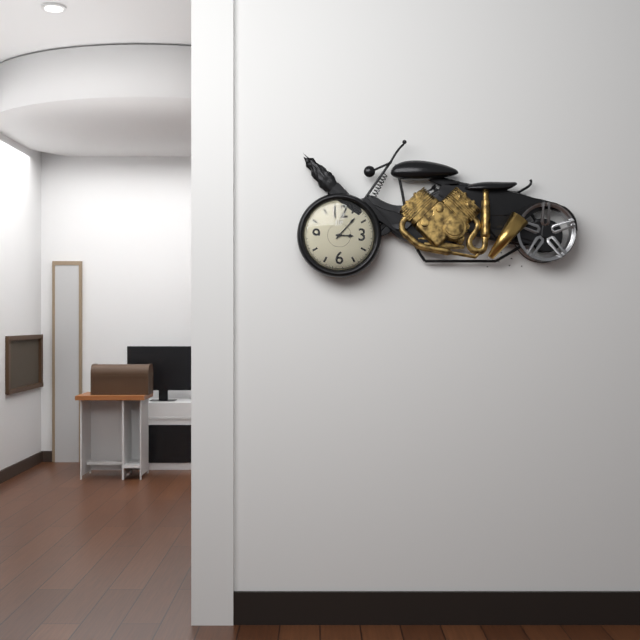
3h07
